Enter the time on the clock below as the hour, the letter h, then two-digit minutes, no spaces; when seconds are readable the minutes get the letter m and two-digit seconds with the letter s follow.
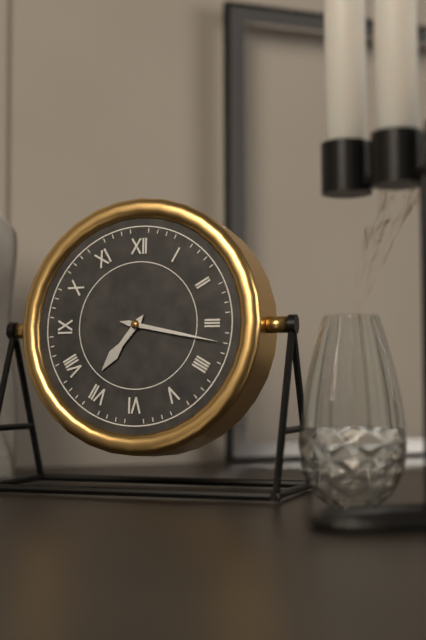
7h17
